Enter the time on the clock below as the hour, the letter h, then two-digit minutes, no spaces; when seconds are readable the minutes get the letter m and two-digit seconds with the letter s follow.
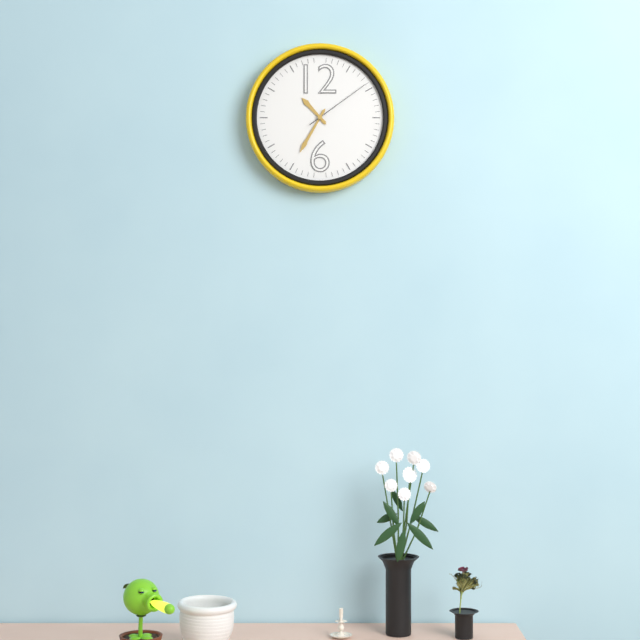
10h35m09s
